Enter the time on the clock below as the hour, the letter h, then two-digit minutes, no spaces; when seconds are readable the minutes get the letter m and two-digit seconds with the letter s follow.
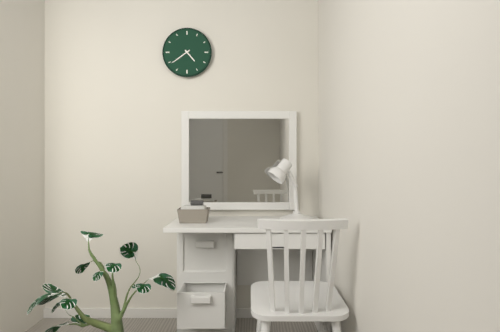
4h39
